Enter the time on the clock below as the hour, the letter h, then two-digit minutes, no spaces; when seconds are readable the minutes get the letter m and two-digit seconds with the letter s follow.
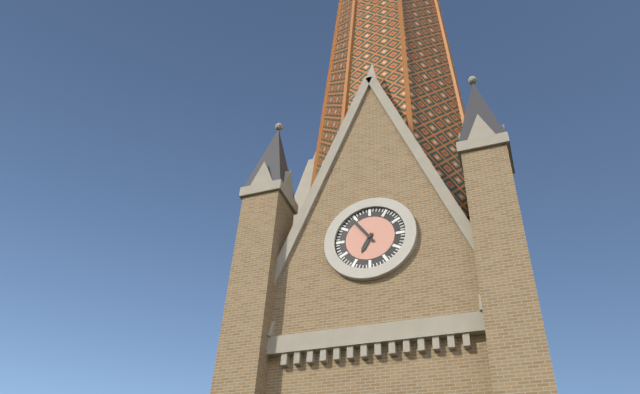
6h54
